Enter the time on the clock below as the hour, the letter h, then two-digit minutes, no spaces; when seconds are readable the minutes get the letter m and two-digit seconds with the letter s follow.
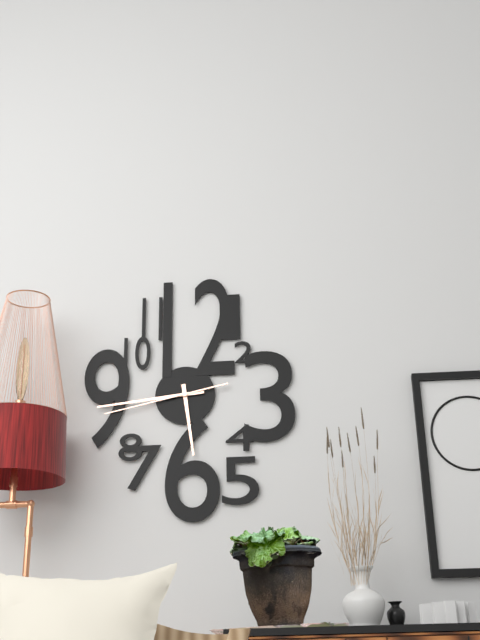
5h44m43s
